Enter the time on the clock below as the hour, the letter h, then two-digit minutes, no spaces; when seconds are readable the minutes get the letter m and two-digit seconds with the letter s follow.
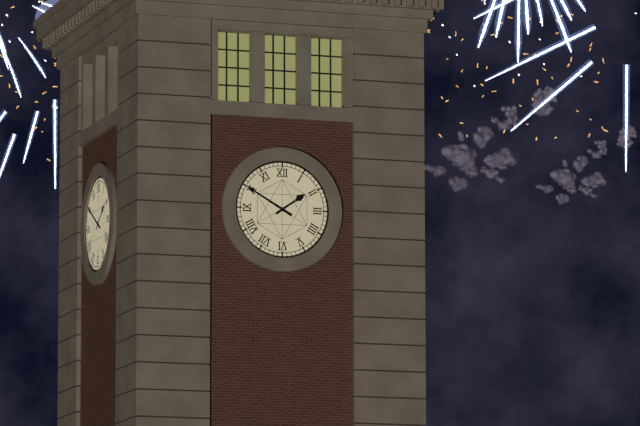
1h50
